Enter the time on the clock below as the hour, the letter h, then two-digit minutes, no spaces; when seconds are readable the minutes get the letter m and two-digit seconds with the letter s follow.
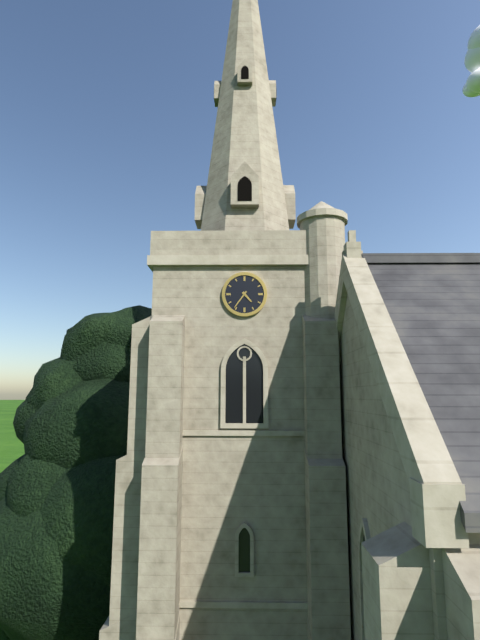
4h36
